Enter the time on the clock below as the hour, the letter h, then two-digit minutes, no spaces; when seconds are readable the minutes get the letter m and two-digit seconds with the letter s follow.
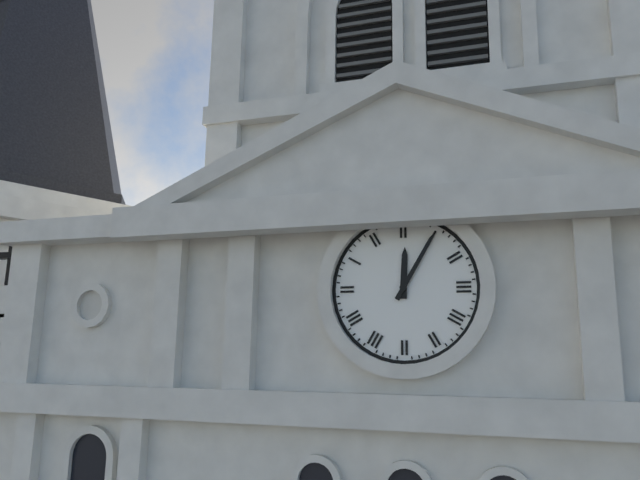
12h05
